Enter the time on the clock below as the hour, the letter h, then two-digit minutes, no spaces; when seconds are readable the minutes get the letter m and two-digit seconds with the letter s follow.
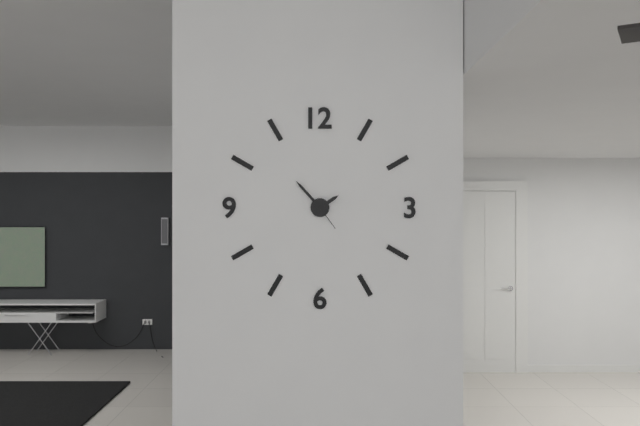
1h53
